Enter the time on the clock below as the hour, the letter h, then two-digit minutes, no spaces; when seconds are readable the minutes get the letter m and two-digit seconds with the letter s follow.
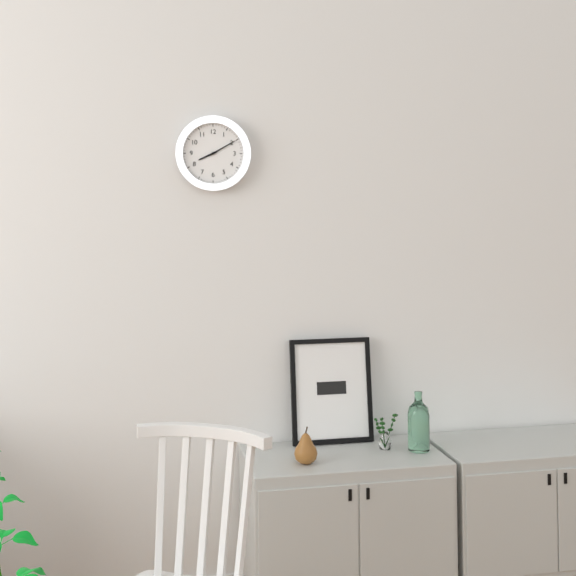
8h10
